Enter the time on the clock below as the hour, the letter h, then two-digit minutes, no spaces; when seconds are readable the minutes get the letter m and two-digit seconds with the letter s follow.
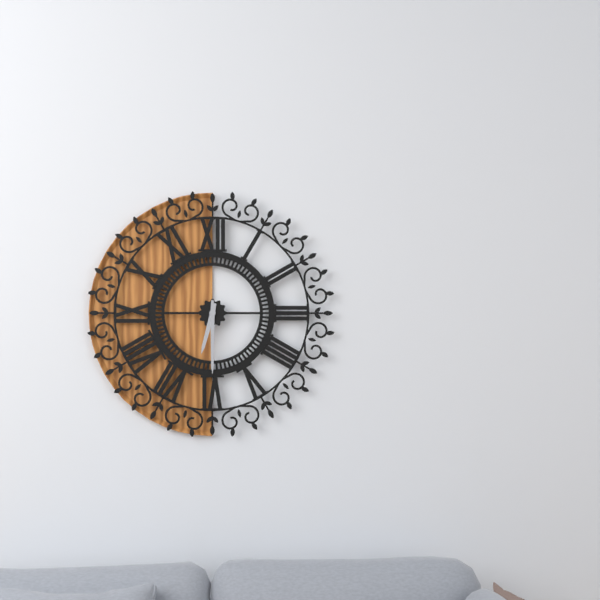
6h30
